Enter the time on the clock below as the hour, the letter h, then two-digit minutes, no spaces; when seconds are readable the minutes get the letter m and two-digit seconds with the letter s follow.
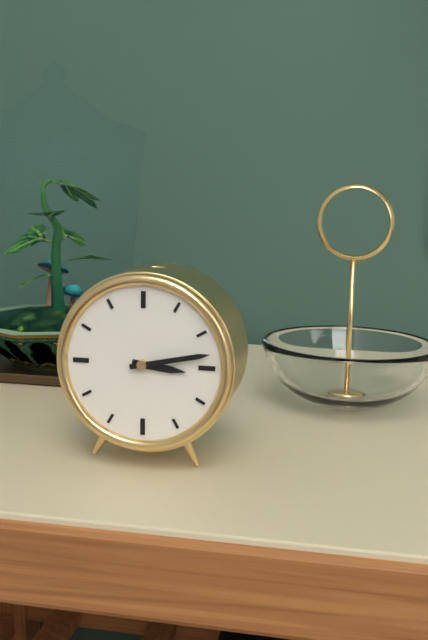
3h13
